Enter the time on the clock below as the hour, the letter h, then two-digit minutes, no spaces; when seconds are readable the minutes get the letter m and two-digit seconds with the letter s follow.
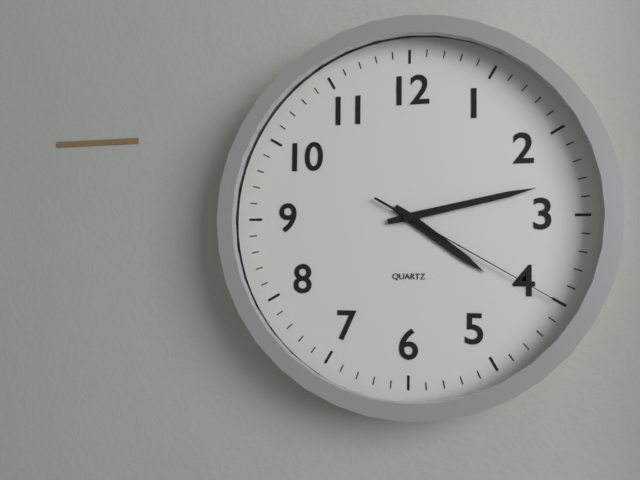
4h13m20s
